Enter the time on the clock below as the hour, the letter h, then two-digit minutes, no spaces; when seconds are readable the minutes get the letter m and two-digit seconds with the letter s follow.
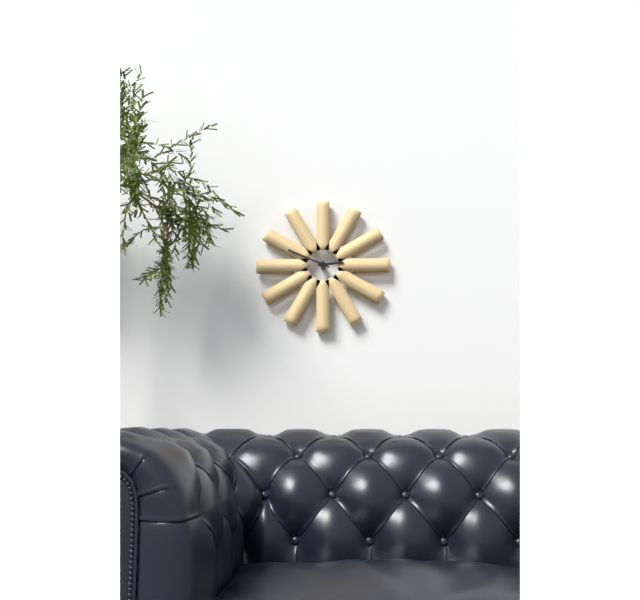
2h49
